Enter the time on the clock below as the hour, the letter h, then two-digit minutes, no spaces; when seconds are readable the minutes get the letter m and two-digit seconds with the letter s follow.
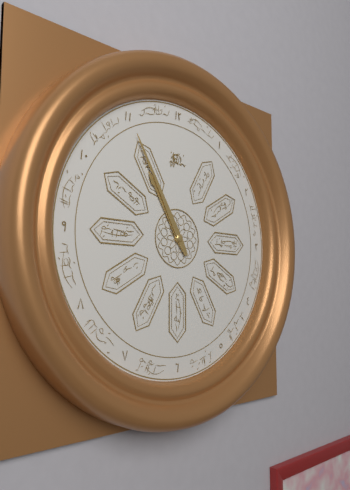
10h55
